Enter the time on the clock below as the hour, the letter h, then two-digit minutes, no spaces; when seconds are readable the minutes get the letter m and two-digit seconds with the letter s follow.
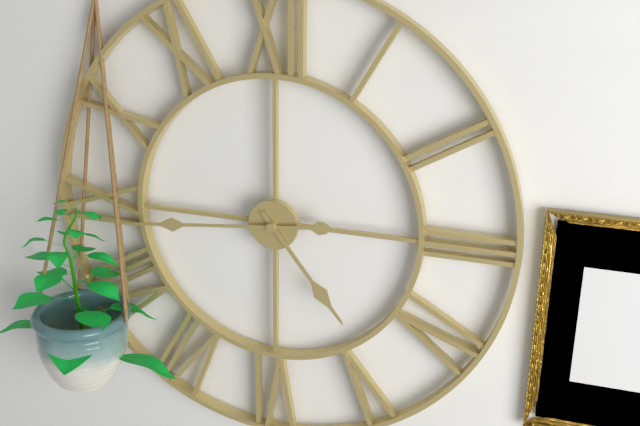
4h44
